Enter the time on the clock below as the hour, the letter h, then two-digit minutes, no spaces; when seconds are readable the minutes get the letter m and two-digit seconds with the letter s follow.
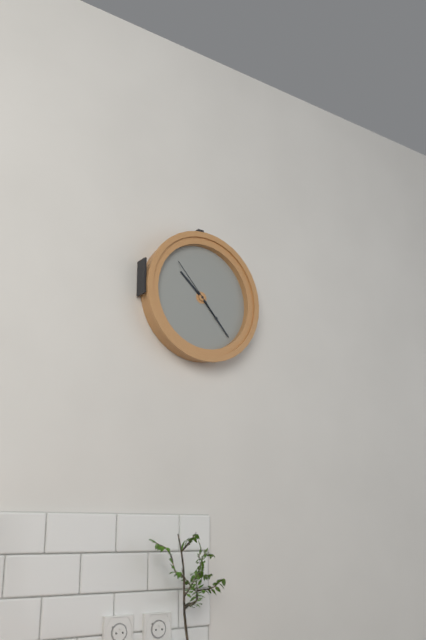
10h23m53s
